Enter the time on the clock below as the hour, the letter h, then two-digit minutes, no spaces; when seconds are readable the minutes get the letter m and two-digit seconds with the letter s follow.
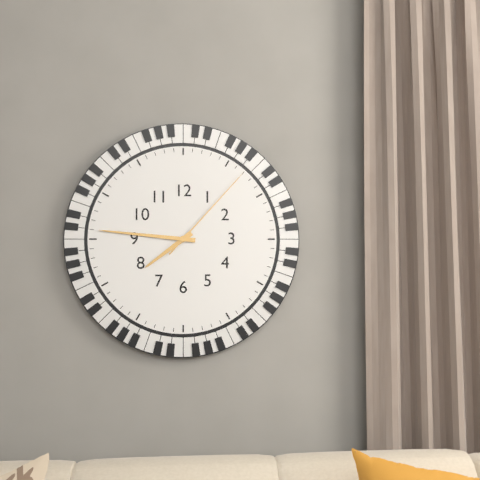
7h46m07s
